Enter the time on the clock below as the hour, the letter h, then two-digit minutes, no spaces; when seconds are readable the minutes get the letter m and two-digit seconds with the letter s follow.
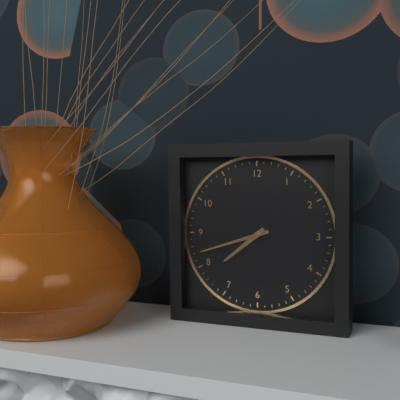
7h42
